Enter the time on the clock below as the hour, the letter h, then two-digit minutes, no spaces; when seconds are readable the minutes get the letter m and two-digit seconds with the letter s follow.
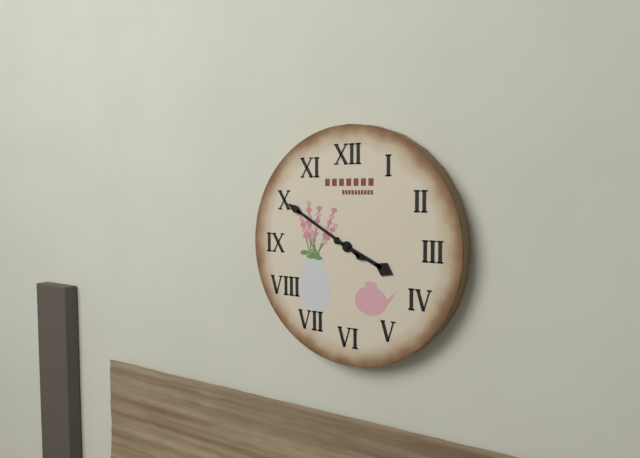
3h50
